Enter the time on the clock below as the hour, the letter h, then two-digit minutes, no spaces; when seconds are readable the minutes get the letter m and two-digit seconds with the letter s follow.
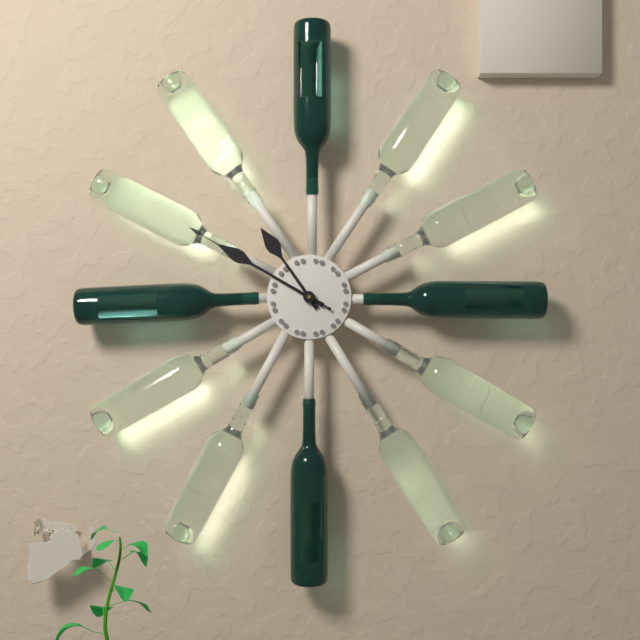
10h50m50s
